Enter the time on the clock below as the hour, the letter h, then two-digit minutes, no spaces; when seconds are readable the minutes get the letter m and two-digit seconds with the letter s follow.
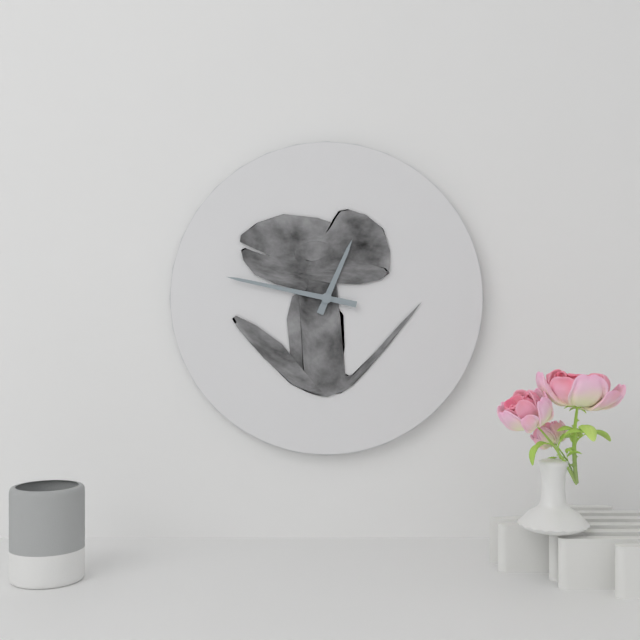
12h47
